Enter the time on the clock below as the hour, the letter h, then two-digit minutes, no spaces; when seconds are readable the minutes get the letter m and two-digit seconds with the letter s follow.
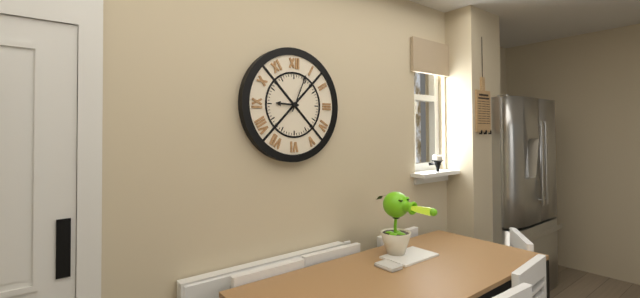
9h04
